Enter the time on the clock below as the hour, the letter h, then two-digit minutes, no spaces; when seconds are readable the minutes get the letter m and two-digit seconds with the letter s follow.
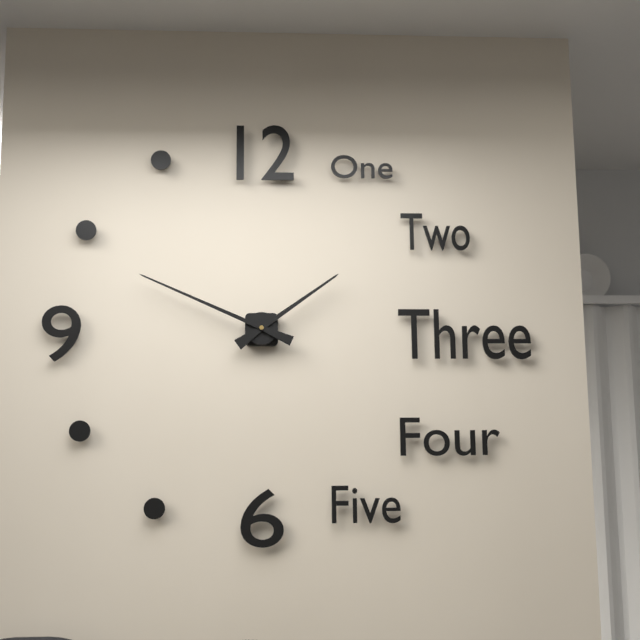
1h49
